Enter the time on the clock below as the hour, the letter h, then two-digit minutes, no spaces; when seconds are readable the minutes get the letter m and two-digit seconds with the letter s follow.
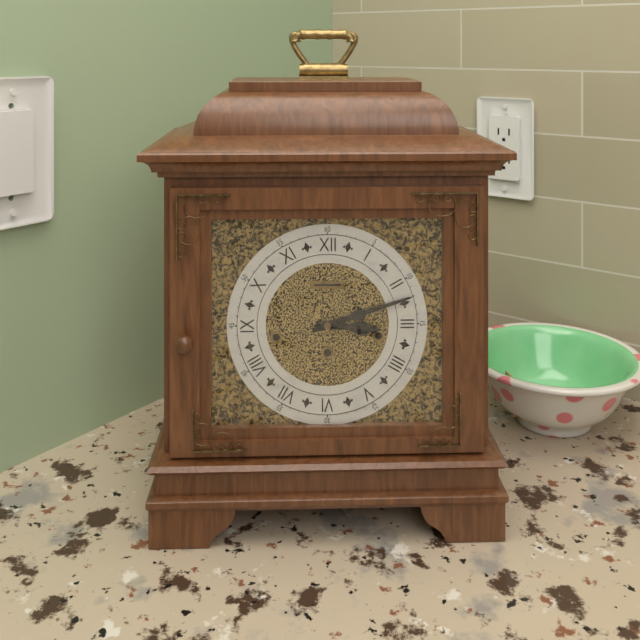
3h12
